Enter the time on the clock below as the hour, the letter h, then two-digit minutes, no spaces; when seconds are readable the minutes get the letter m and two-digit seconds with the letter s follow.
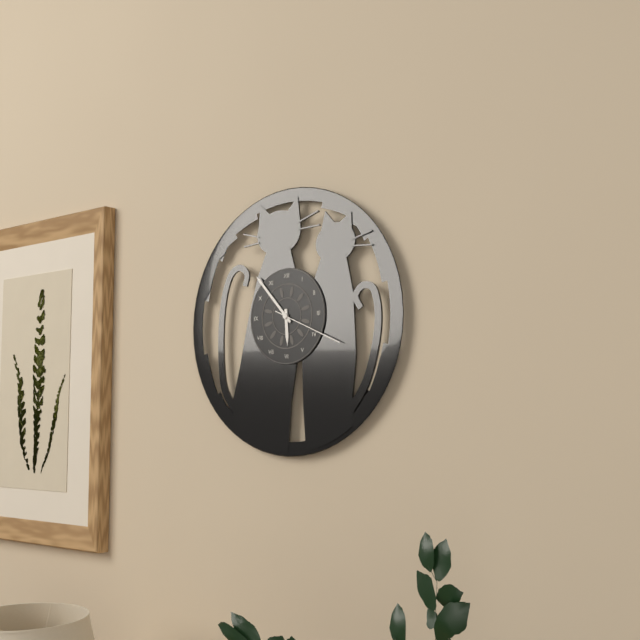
5h53m19s
